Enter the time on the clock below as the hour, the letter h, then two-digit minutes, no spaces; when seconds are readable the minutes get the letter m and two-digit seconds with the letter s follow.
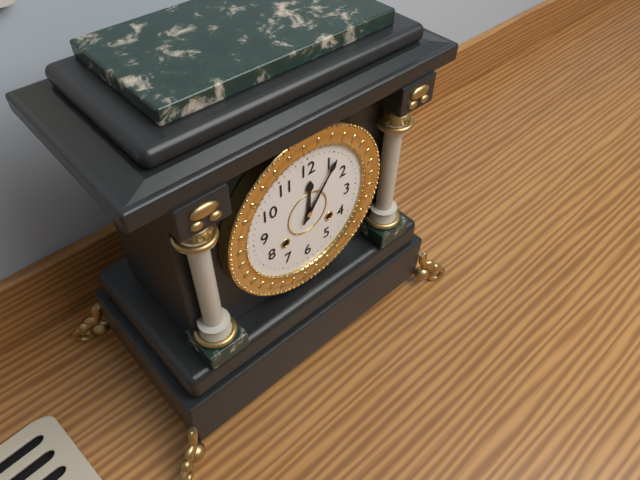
12h06
